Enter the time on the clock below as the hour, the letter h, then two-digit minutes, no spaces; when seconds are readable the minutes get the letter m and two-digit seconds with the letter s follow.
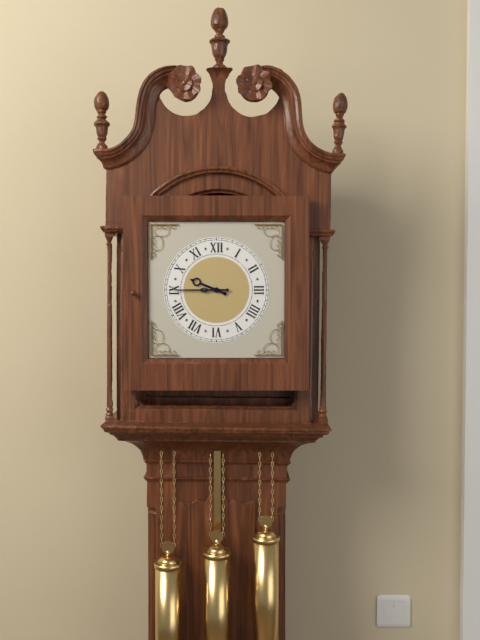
9h45
